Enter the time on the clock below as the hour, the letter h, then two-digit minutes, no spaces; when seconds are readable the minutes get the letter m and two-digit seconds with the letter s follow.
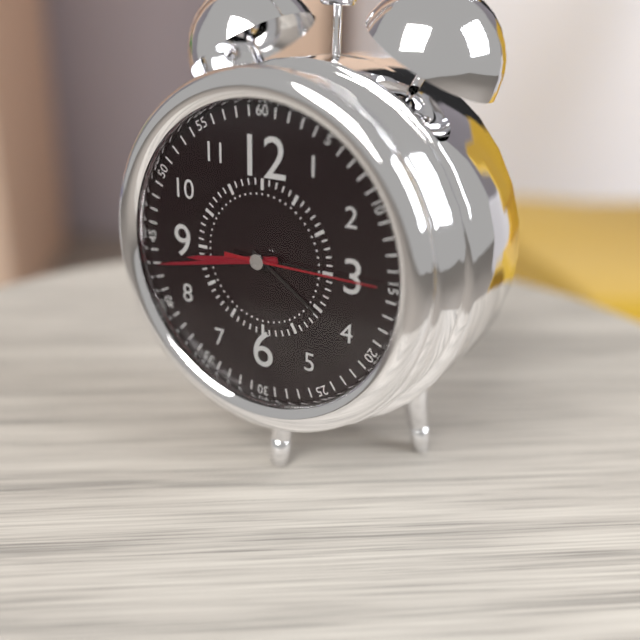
8h43m15s
